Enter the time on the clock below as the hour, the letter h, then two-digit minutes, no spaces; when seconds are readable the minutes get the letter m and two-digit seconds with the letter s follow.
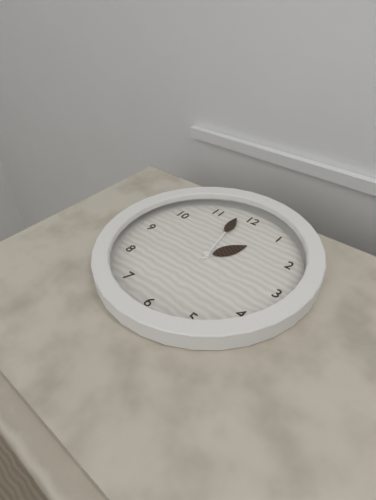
12h58
